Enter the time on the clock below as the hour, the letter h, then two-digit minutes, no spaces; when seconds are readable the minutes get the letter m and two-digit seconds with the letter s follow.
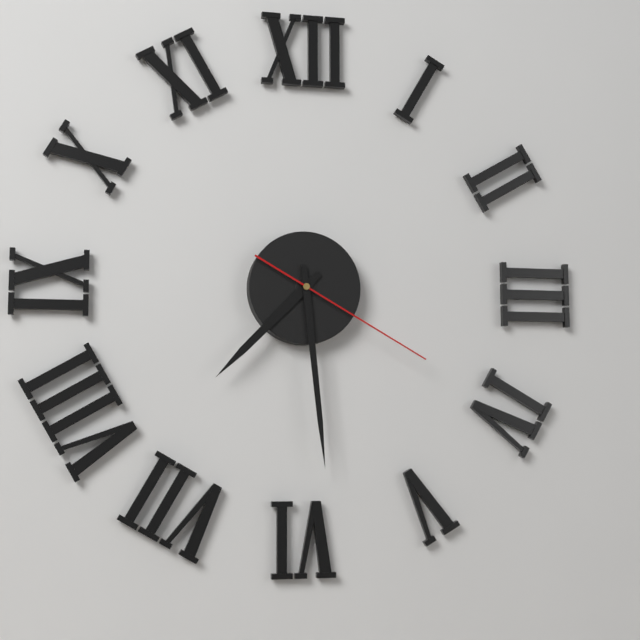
7h29m20s
